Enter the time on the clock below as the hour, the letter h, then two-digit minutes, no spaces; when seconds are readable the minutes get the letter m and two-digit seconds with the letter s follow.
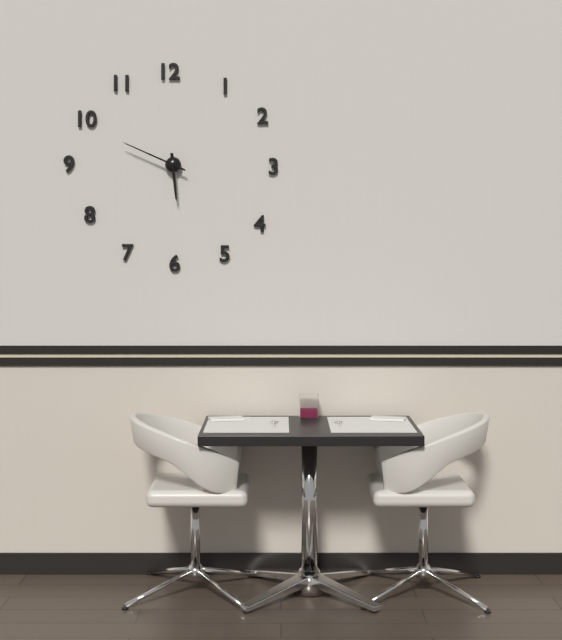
5h49
